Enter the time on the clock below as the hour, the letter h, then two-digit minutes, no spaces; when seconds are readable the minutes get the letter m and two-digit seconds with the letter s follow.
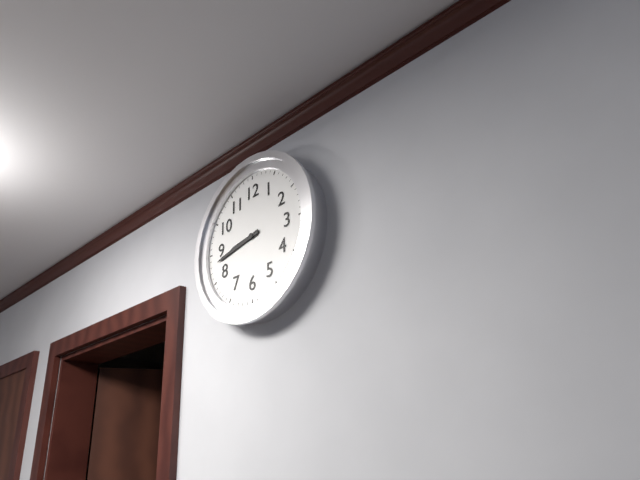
8h43
